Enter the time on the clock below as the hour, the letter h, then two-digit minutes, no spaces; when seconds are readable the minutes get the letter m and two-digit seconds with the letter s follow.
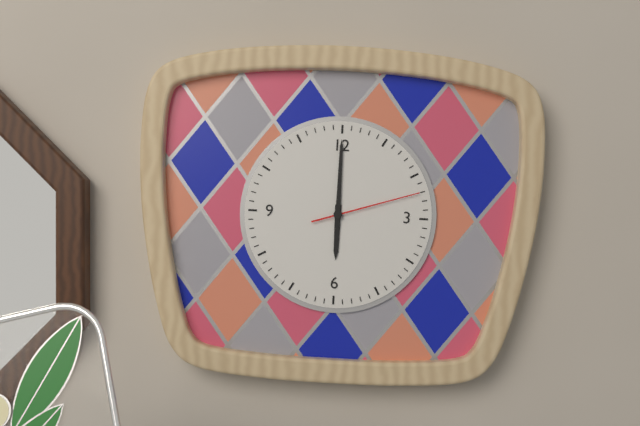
6h00m12s
